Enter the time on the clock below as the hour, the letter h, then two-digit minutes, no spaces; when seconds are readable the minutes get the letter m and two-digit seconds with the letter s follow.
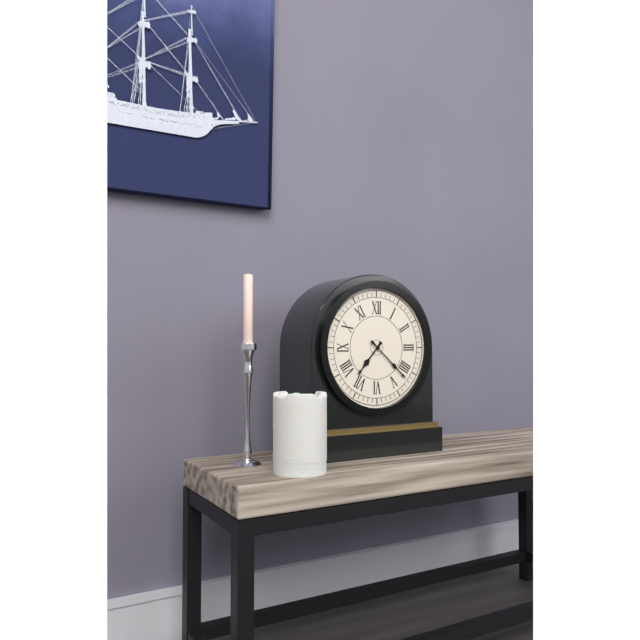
7h22
